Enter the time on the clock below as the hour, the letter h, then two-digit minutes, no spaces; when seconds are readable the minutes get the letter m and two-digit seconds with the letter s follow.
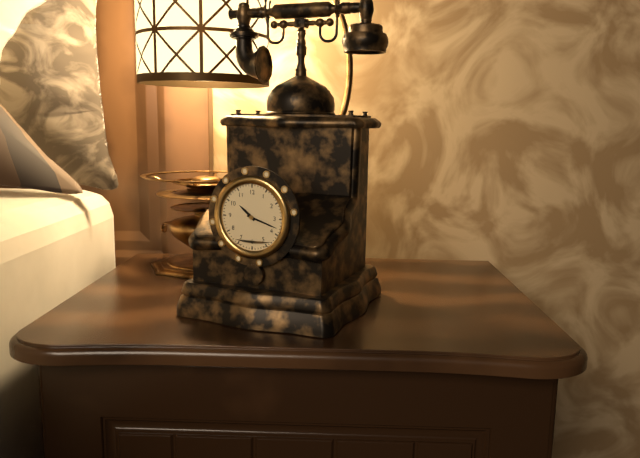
10h18
